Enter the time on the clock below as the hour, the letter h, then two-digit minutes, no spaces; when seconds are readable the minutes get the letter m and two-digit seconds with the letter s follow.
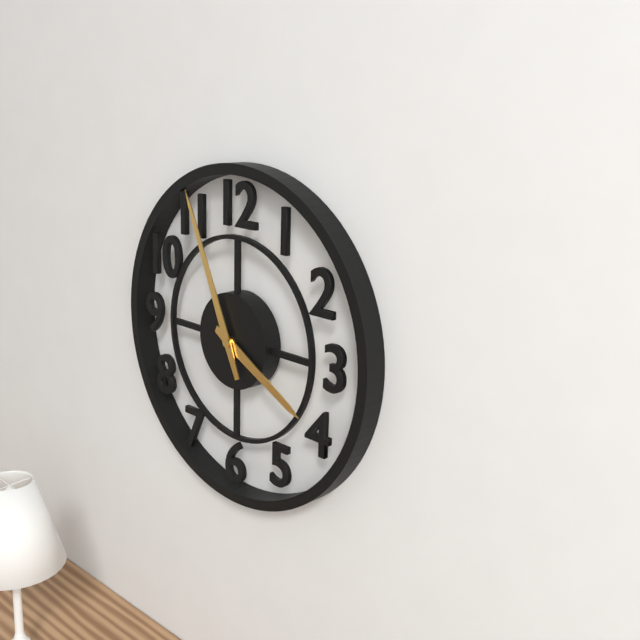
3h56
